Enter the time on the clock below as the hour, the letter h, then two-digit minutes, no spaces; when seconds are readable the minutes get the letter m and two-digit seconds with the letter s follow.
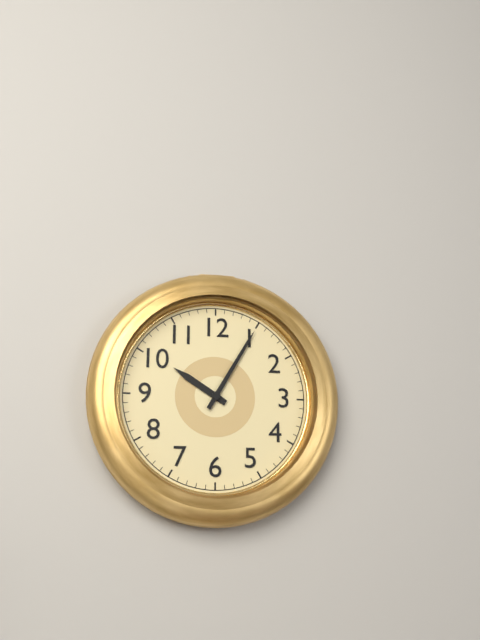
10h05
